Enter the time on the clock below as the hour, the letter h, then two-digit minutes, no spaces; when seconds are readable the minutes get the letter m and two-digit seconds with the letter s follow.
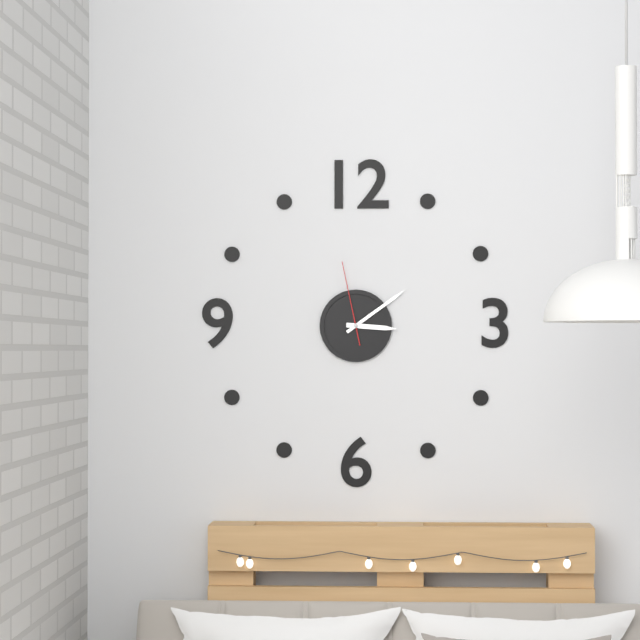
3h09m58s
